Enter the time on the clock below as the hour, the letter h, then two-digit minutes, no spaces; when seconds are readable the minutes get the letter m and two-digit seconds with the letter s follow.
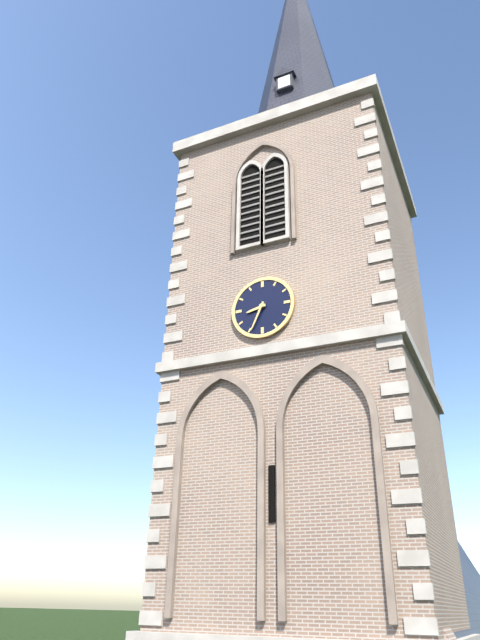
8h34
